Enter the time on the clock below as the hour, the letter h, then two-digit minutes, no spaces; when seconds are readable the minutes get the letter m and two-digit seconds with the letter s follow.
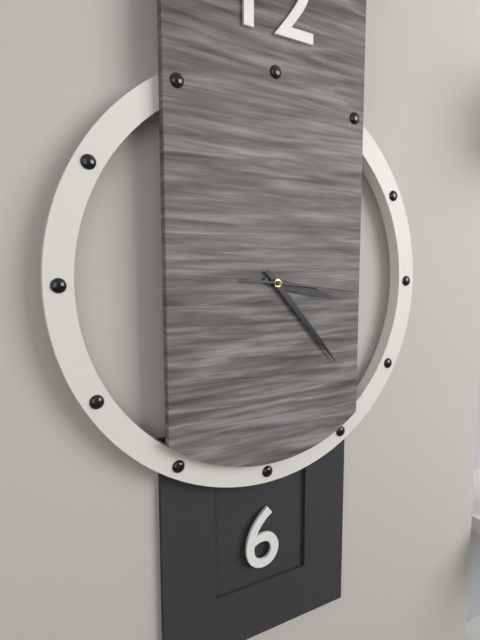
3h23m16s
